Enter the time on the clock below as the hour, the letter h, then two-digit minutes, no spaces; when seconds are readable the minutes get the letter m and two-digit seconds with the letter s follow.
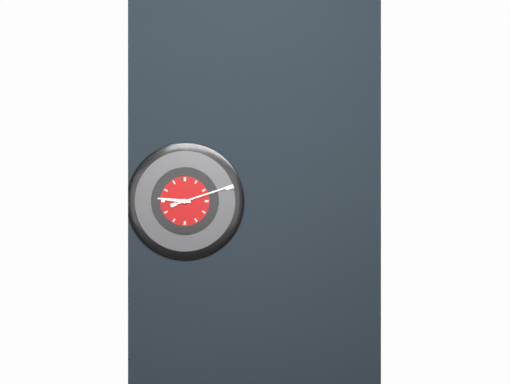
9h12
